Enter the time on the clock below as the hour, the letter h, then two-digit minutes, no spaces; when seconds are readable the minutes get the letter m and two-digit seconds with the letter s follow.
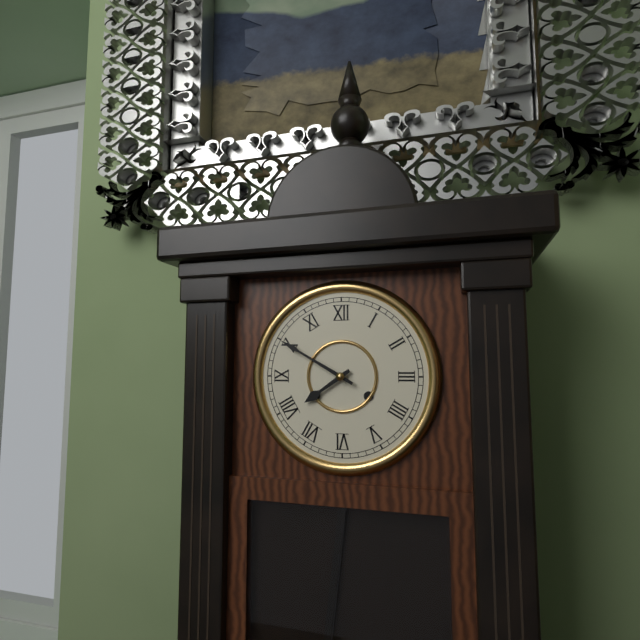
7h50
